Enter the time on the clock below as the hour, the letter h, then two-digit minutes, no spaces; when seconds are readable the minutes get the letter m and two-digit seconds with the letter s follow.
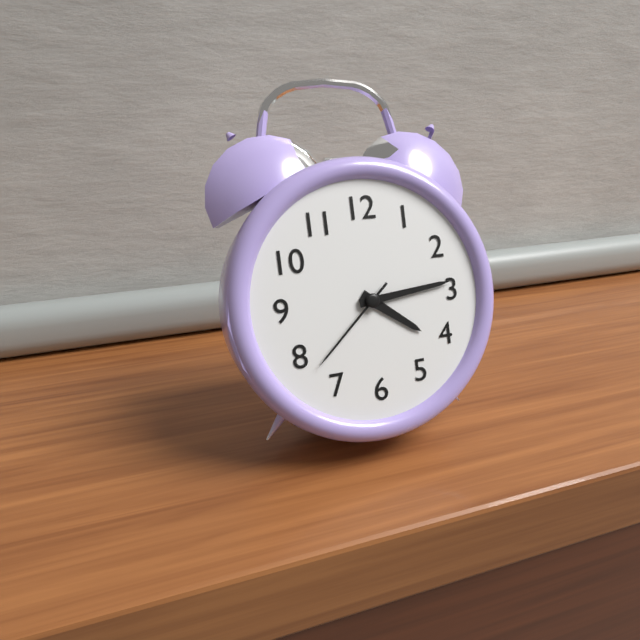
4h14m38s
